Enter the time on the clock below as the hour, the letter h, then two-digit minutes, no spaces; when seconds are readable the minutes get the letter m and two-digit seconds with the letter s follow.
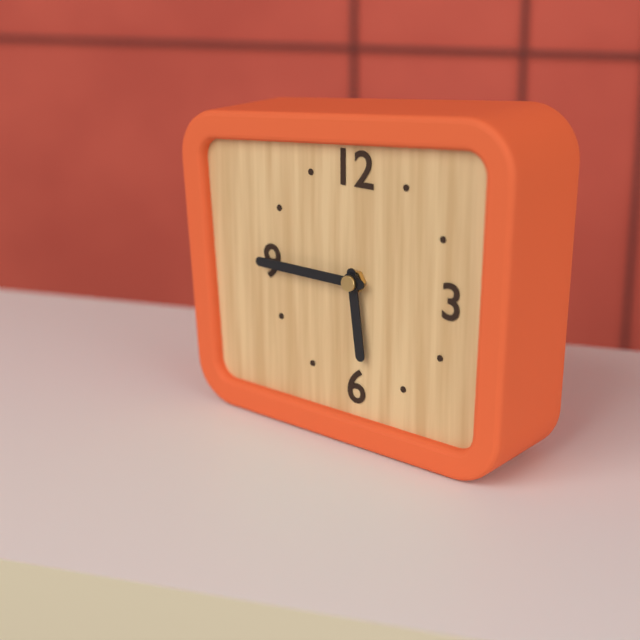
5h45
